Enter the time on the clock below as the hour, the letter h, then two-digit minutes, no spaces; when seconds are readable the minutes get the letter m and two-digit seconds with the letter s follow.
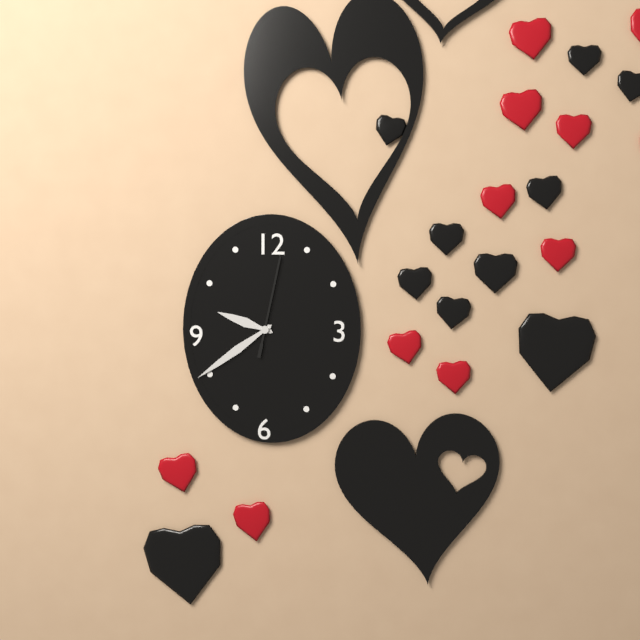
9h39m02s
